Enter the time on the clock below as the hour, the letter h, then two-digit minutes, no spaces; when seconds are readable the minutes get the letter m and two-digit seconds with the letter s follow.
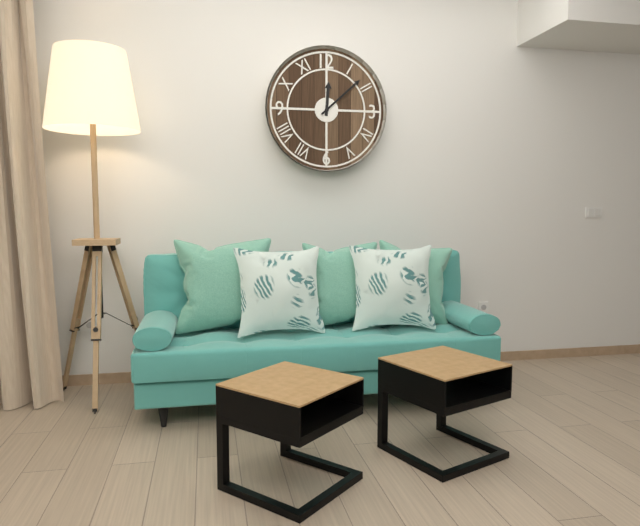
12h08
